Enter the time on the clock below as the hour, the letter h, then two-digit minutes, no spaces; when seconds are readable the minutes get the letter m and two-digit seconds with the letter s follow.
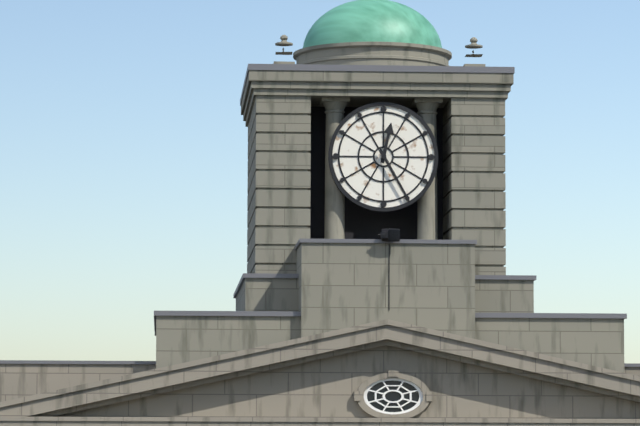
12h25
